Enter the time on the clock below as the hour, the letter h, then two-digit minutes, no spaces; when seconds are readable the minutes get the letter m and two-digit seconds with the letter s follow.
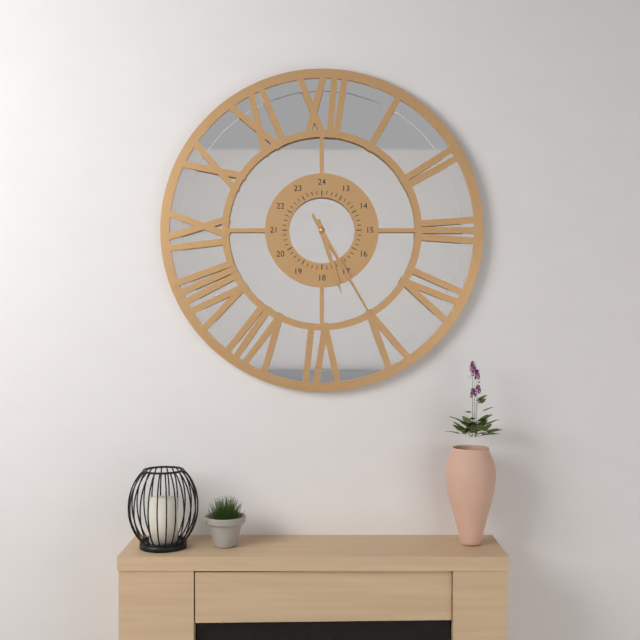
5h25
